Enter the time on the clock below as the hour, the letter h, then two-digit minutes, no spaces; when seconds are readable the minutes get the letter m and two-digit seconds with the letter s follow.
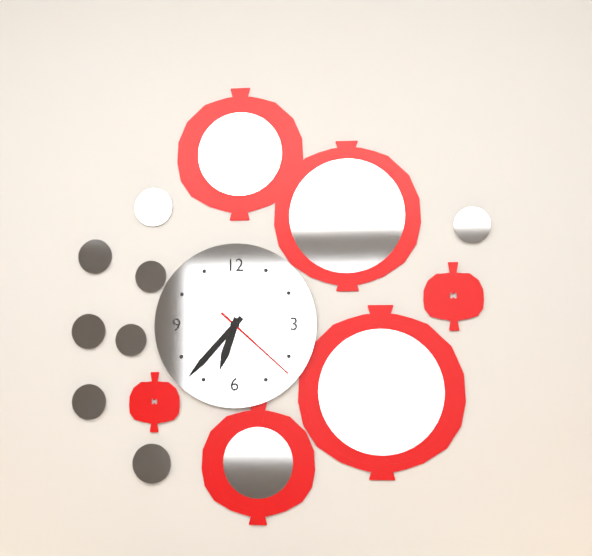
6h37m22s
